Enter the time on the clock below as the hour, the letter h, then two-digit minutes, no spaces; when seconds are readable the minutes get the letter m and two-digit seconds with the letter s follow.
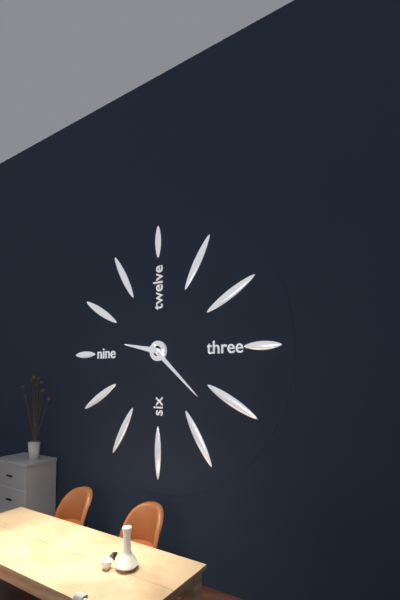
9h22
